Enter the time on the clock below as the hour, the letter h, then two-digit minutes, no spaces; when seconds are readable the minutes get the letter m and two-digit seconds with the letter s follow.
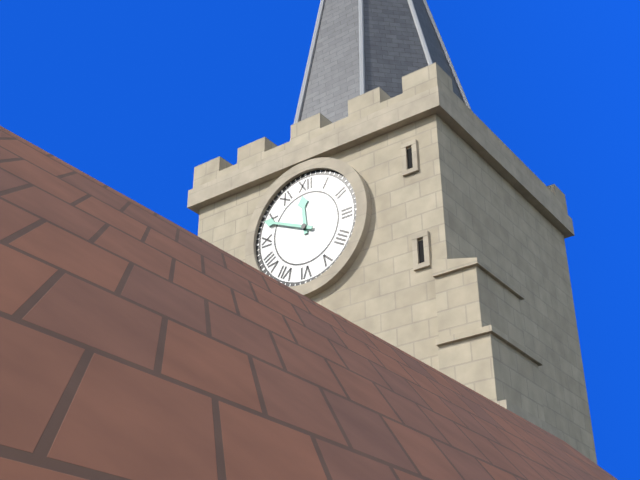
11h49
